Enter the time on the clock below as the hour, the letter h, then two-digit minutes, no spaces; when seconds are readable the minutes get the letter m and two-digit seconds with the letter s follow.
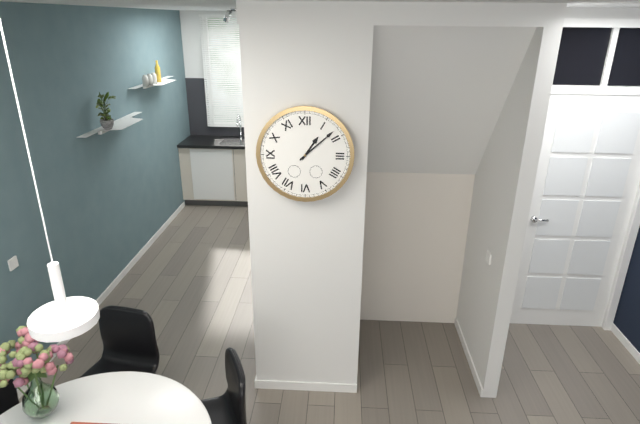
1h08
